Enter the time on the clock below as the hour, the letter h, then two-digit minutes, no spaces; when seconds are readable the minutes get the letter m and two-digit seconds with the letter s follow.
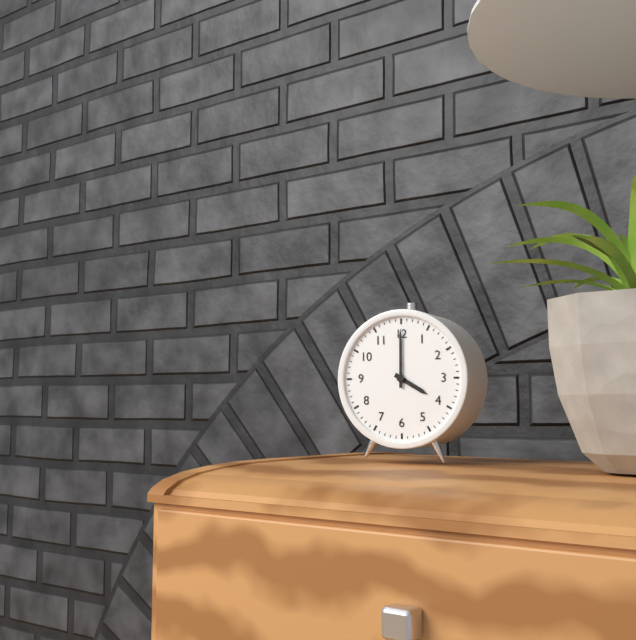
4h00
